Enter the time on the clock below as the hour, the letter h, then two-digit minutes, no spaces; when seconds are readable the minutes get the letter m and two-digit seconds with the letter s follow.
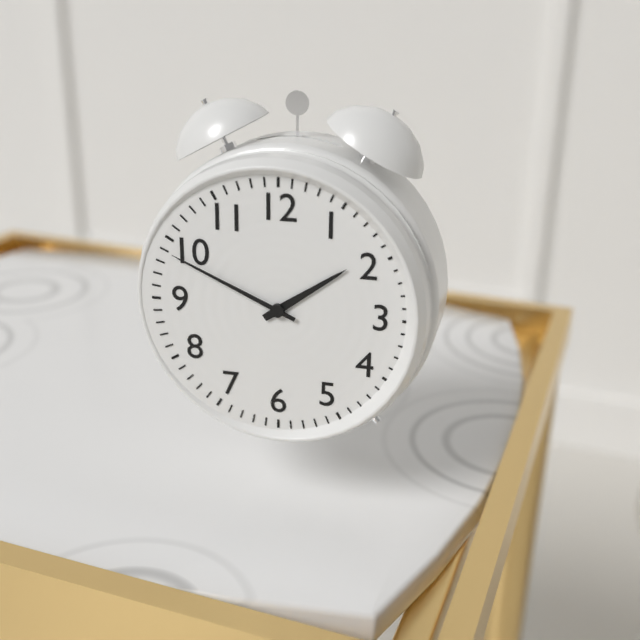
1h49
